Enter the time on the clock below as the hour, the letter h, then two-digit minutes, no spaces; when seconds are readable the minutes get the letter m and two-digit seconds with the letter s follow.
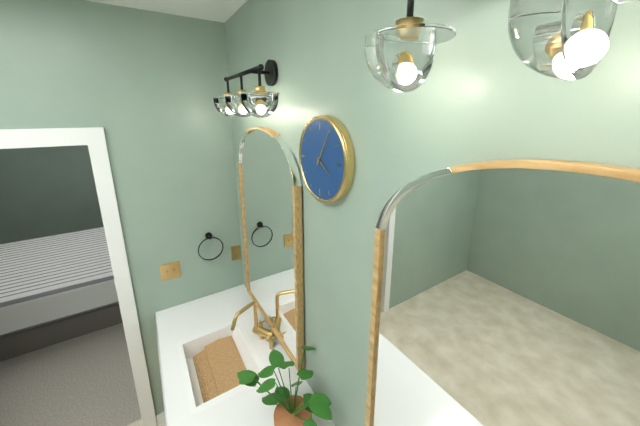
4h05
